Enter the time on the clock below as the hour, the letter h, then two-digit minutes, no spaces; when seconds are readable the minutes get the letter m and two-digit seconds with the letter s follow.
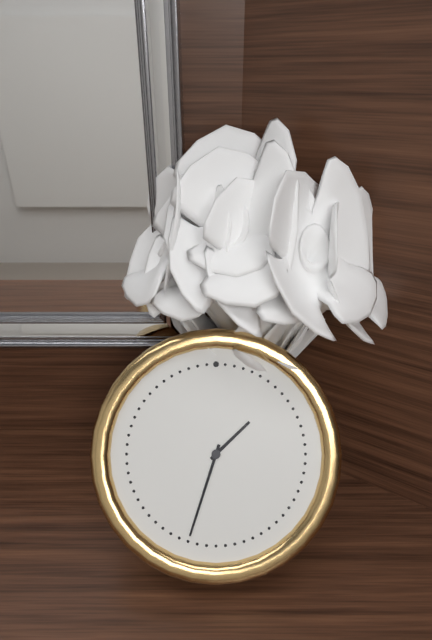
1h33
